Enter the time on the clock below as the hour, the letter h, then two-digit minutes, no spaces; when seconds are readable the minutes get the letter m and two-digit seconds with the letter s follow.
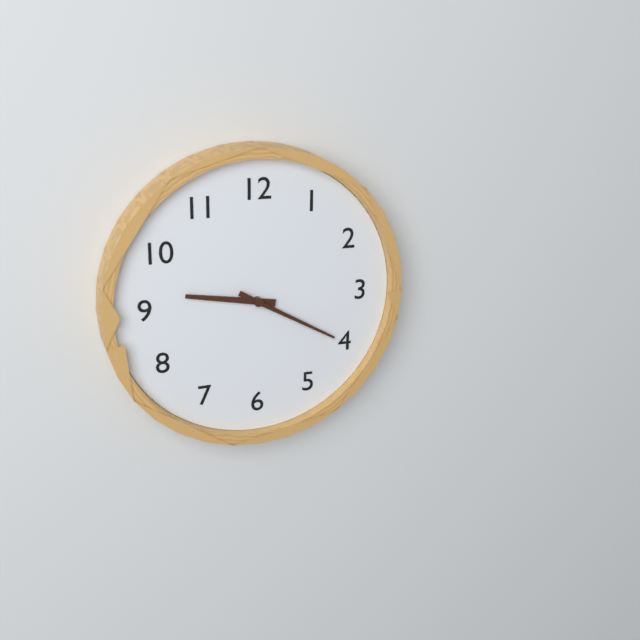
9h20
